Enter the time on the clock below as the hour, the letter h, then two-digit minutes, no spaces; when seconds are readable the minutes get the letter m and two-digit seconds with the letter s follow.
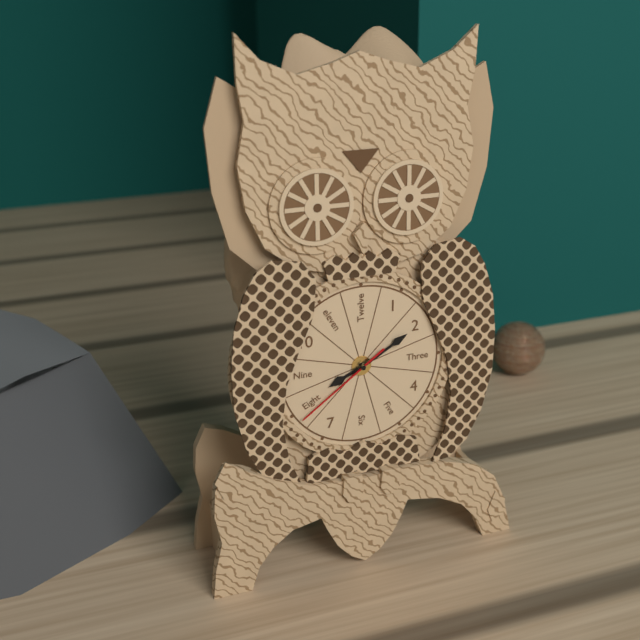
8h10m39s
